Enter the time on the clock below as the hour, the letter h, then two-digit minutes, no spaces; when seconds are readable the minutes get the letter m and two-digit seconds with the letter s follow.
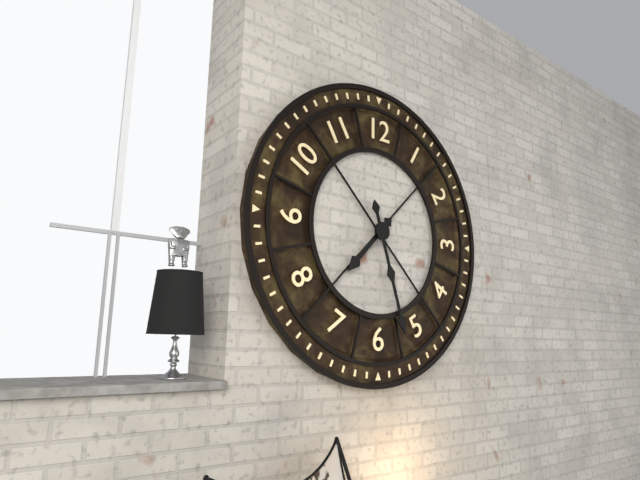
7h27
